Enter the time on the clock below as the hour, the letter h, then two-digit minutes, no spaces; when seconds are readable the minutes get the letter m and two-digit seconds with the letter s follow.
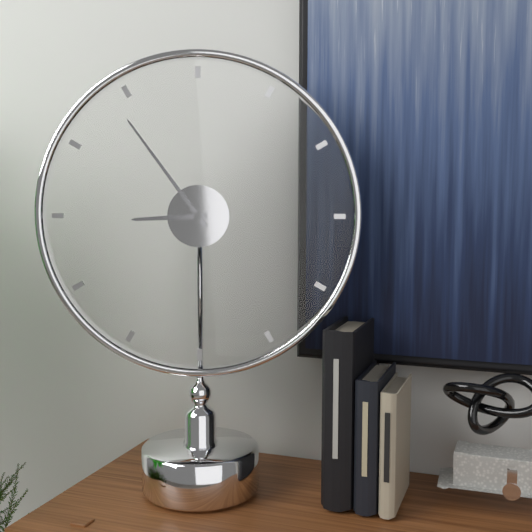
8h54
